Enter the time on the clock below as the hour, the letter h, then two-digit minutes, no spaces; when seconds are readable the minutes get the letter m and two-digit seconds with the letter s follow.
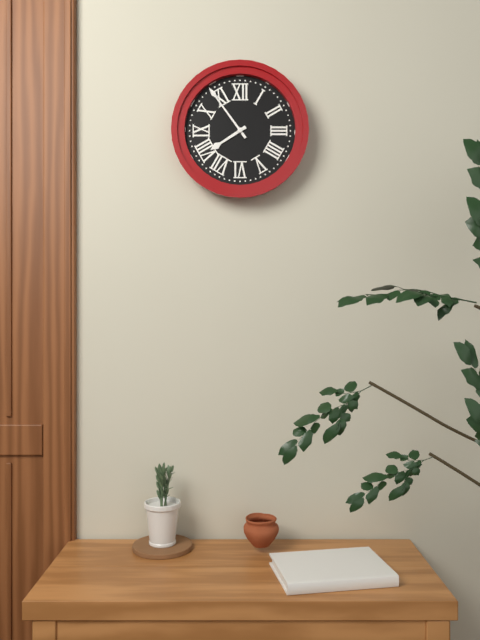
7h54
